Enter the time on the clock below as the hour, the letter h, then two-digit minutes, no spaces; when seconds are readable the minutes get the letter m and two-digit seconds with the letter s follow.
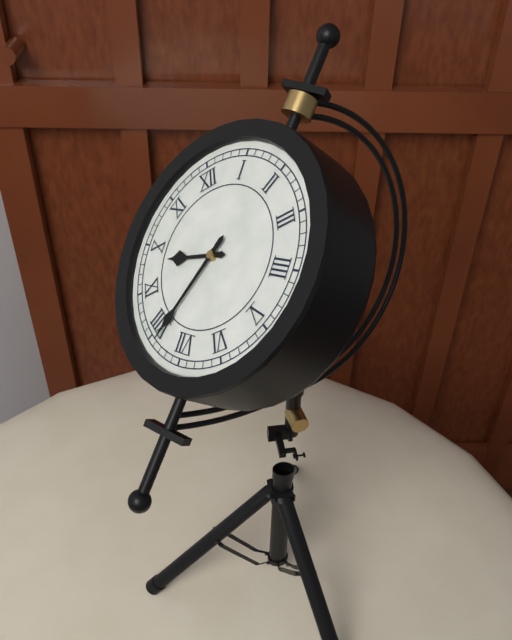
9h39
